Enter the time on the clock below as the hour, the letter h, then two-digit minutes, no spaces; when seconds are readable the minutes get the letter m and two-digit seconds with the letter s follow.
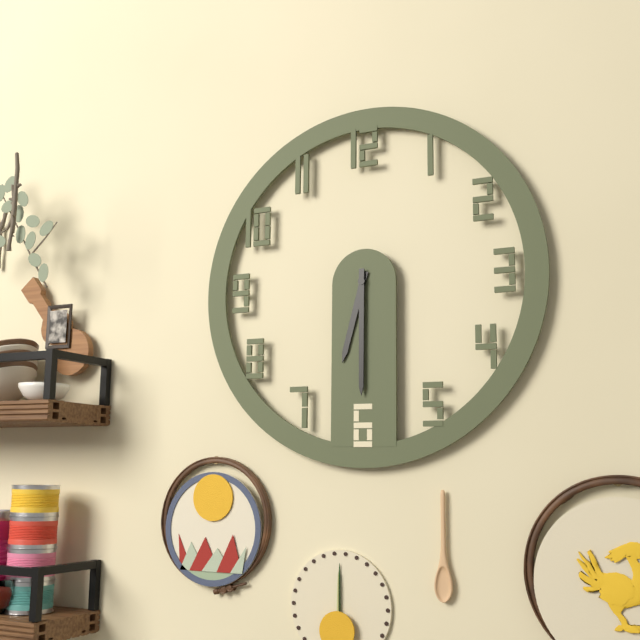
6h30
